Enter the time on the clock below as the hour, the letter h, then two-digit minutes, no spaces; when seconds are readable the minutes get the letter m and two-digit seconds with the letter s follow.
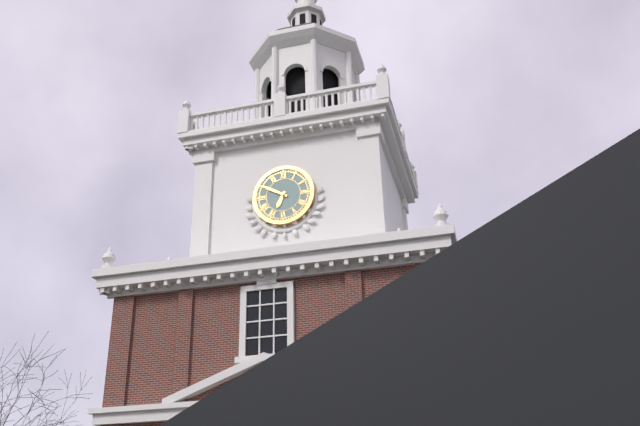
6h50
